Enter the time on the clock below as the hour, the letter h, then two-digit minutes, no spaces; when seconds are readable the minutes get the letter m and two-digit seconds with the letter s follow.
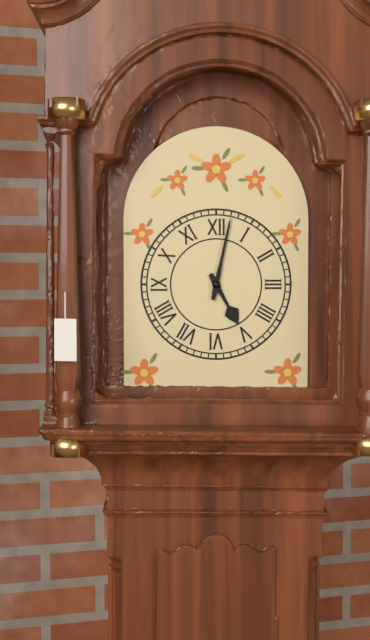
5h02
